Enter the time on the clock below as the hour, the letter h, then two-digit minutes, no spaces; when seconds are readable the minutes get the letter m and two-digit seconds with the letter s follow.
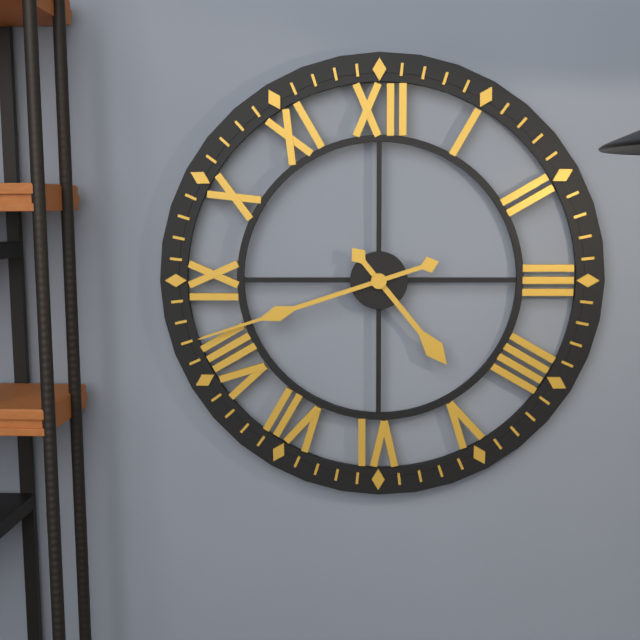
4h42
